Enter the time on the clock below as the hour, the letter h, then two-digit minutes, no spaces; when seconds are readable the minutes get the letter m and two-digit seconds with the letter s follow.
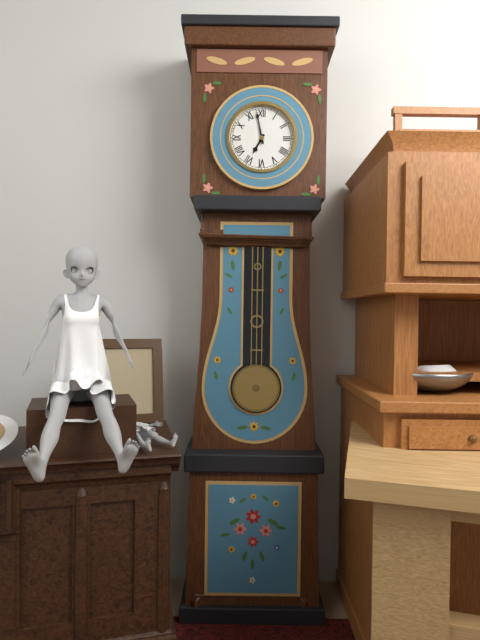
6h58
